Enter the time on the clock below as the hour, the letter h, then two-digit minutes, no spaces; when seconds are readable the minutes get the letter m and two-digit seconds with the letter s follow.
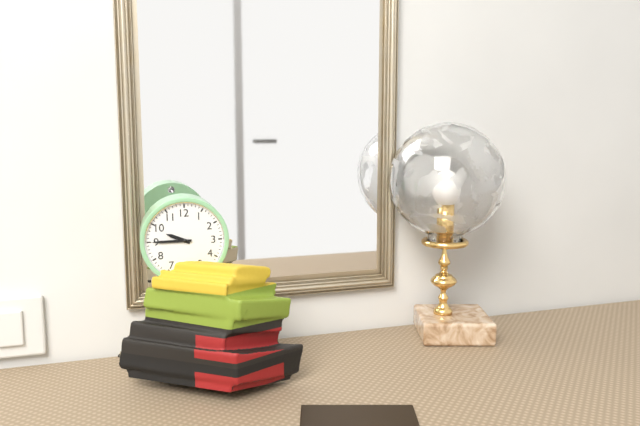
9h45
